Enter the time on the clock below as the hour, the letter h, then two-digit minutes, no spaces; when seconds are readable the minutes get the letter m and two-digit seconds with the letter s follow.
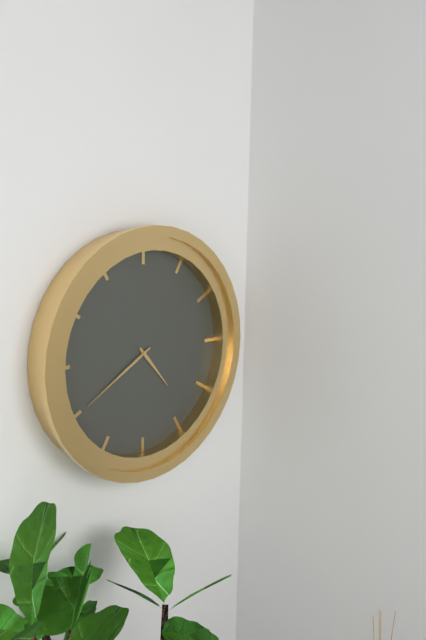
4h40
